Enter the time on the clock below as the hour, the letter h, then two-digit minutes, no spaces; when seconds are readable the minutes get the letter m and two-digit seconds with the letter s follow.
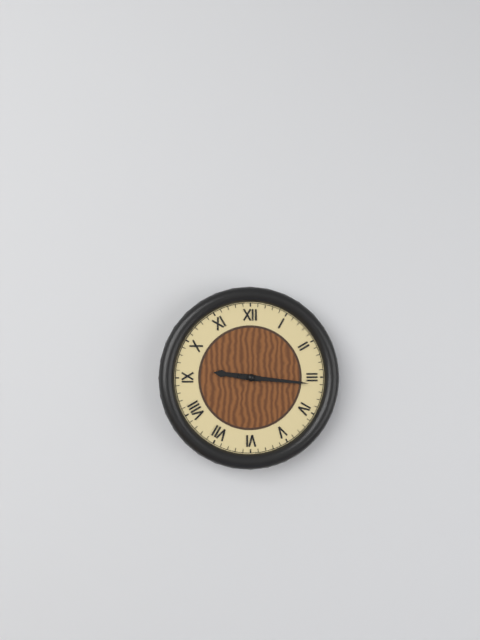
9h16
